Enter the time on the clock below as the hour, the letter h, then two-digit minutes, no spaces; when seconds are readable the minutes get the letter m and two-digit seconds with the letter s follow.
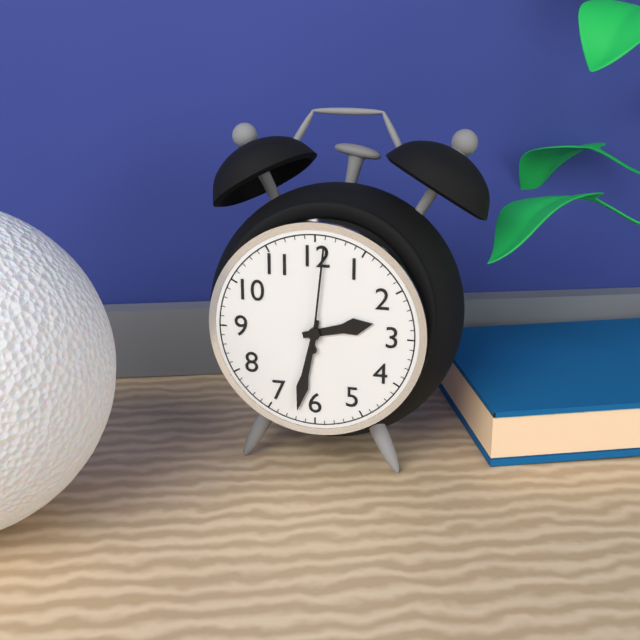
2h32m01s
